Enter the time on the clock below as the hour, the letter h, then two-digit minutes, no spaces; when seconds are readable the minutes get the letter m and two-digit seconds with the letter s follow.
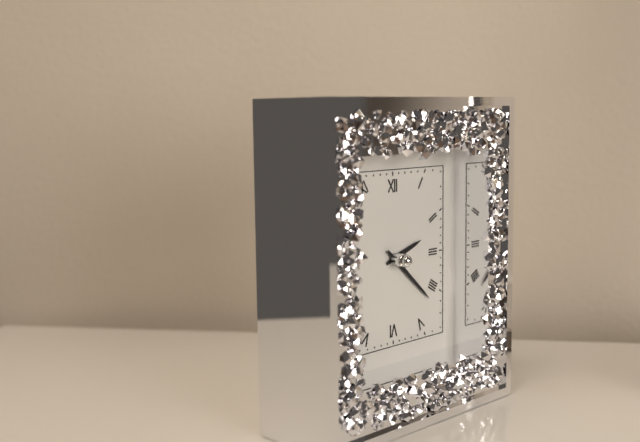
2h22
